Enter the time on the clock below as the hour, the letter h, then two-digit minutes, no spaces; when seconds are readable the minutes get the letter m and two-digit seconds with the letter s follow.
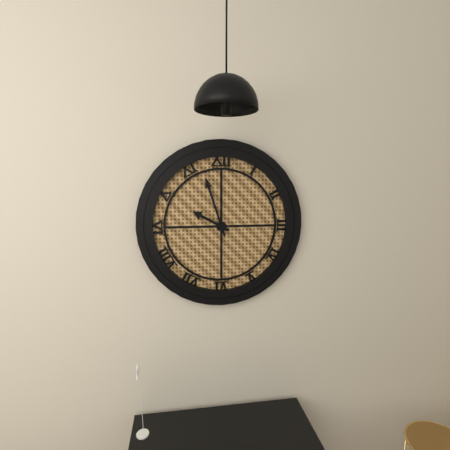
9h57
